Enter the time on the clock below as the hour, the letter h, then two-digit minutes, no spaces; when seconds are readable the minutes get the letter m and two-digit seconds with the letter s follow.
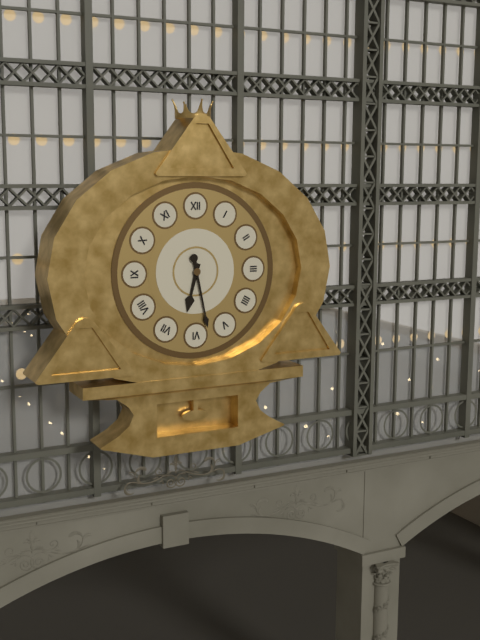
6h28
